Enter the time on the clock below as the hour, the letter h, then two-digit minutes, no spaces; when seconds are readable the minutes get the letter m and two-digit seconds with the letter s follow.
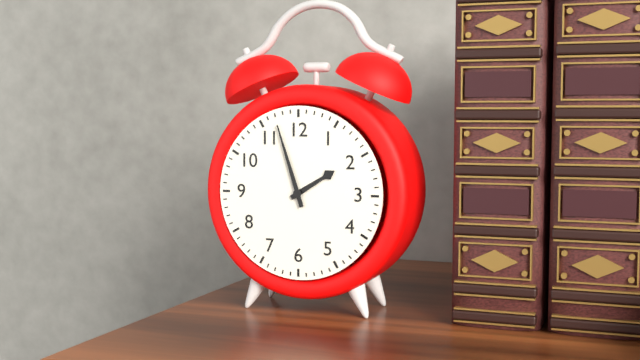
1h57
